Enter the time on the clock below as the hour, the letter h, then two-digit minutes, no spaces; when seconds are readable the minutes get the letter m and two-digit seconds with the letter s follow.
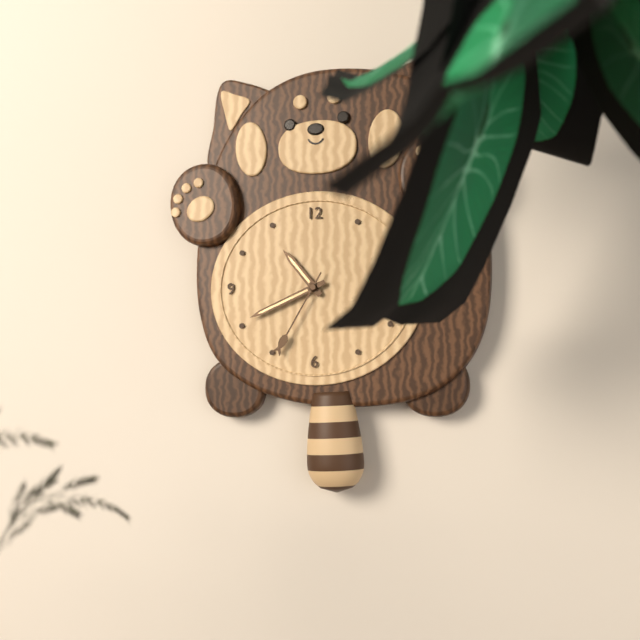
10h41m35s
